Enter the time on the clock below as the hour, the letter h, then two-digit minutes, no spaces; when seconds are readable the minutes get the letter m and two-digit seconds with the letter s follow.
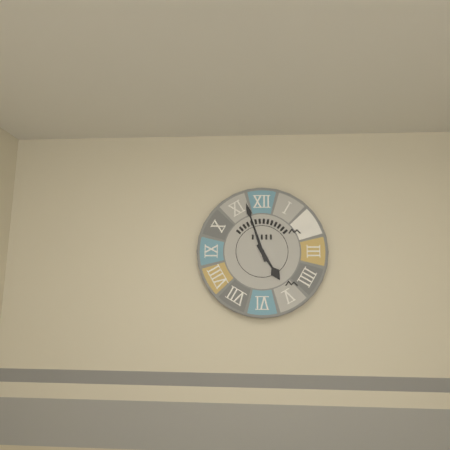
4h57
